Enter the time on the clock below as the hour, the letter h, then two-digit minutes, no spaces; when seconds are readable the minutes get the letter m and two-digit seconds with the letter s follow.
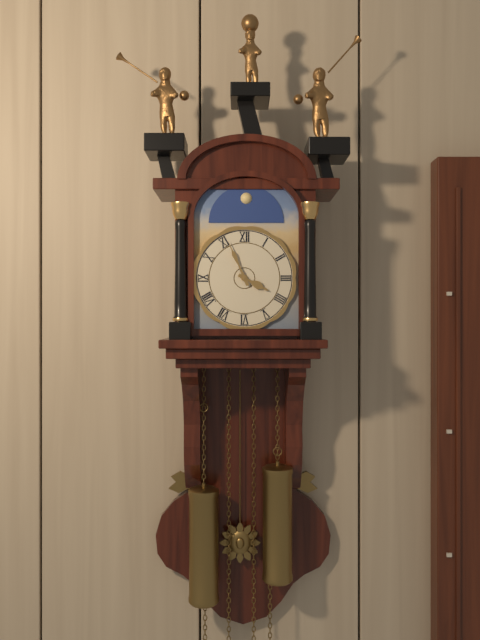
3h56
